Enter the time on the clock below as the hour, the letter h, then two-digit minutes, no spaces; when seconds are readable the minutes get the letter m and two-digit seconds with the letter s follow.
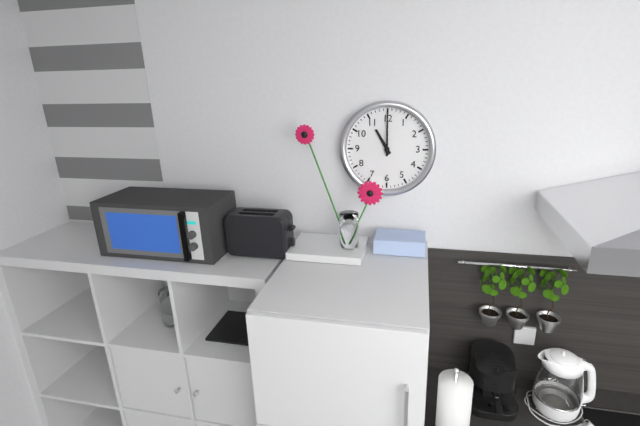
11h00
